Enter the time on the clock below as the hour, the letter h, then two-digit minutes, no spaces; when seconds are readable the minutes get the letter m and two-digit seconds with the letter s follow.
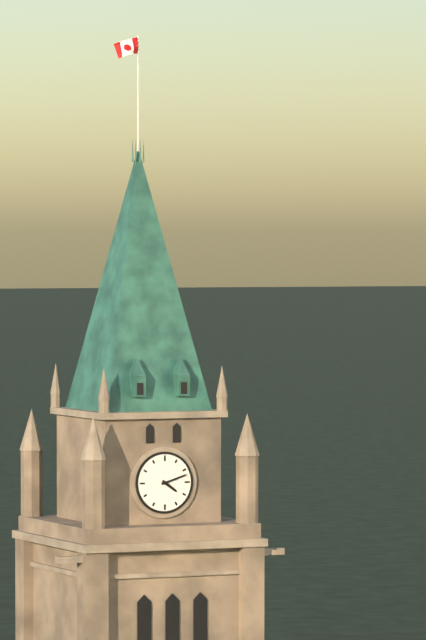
4h12
